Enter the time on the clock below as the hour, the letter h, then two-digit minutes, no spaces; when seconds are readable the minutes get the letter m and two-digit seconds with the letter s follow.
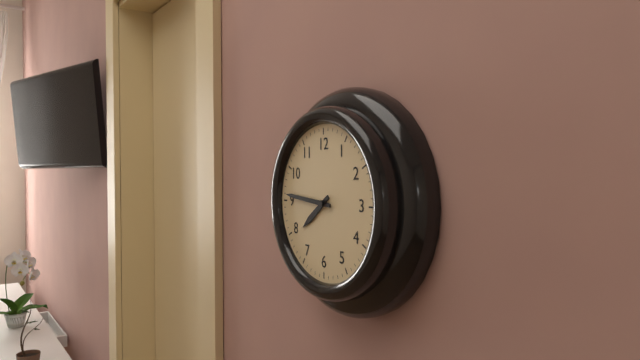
7h46
